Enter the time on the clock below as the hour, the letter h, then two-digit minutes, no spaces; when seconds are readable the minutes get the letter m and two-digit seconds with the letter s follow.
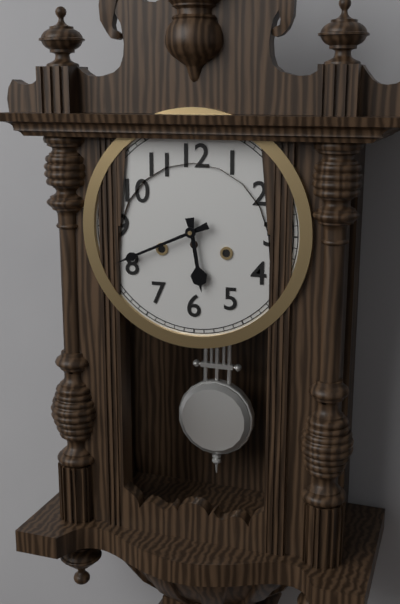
5h41
